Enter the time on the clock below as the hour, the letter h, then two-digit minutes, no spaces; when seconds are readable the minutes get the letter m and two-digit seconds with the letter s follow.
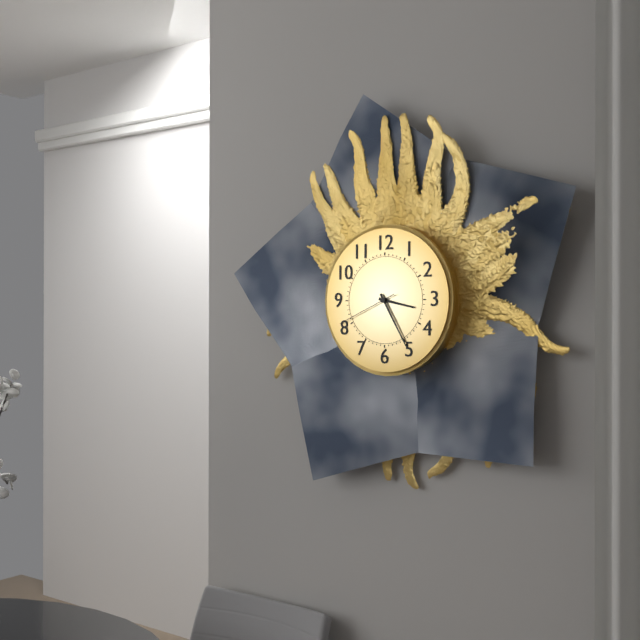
3h25m41s
